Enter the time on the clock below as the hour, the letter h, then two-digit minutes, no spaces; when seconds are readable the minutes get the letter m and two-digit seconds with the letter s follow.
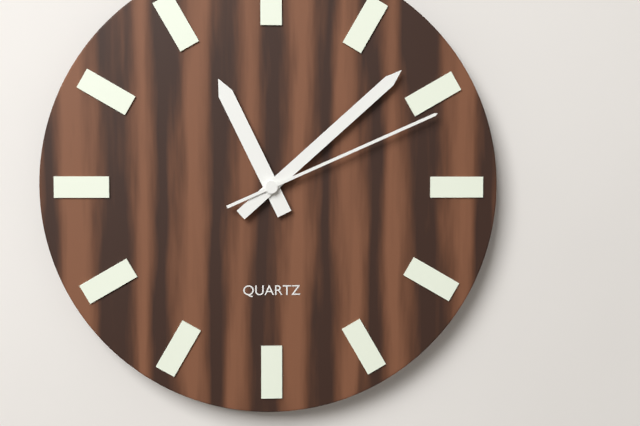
11h08m11s
